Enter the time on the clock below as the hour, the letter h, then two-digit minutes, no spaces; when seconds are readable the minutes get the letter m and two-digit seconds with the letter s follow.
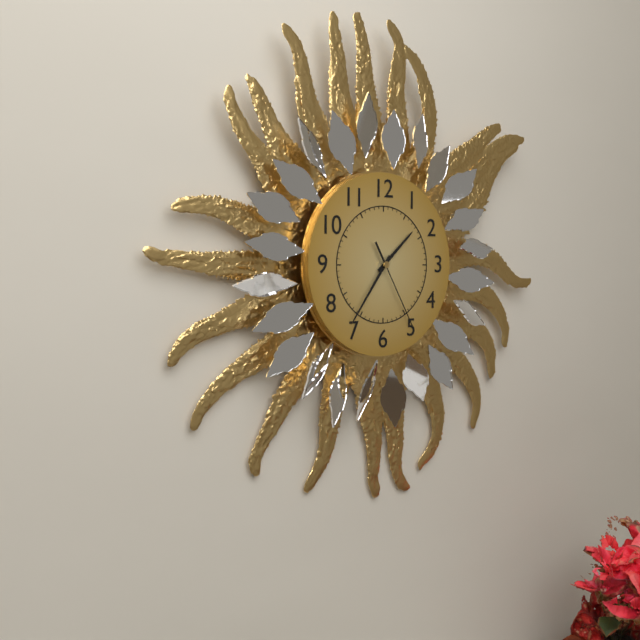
1h36m25s
